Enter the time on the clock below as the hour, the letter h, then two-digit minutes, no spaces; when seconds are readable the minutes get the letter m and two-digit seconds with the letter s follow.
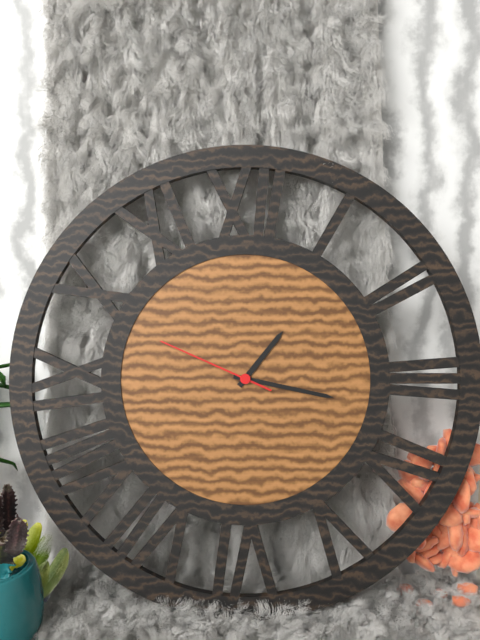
1h17m49s
